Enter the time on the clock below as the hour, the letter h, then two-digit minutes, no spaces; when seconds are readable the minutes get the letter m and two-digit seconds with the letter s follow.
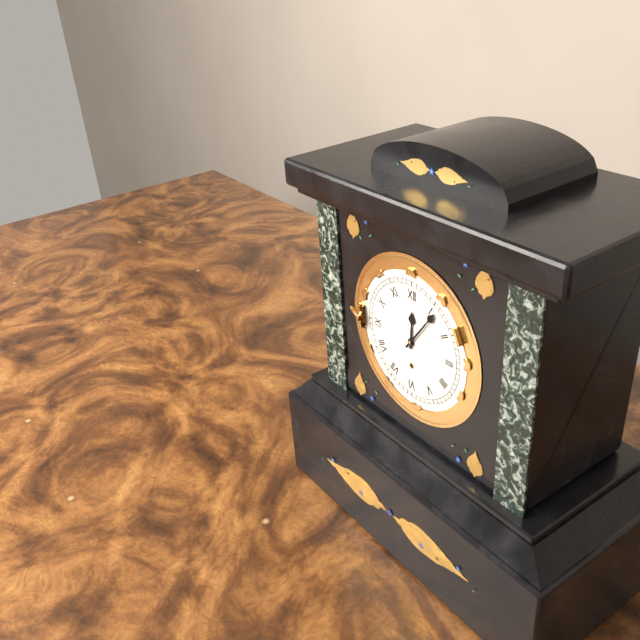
12h06
